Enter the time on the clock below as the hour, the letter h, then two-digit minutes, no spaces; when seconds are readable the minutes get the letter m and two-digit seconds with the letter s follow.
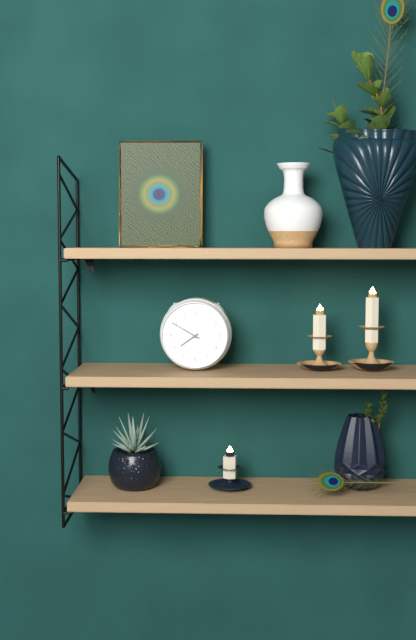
7h50
